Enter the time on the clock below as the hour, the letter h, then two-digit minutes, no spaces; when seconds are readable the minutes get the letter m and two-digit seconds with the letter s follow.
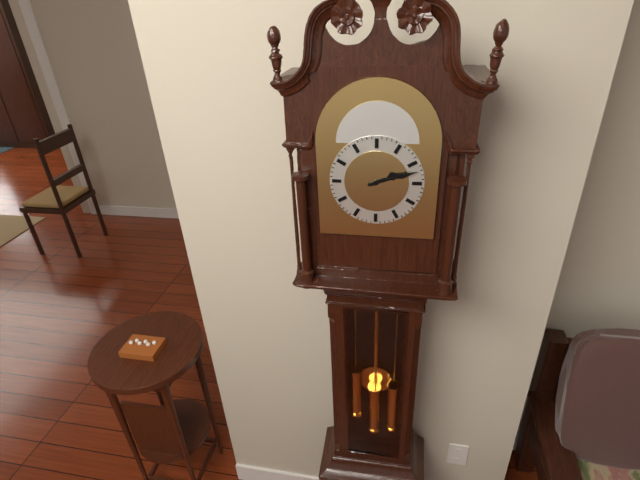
2h12
